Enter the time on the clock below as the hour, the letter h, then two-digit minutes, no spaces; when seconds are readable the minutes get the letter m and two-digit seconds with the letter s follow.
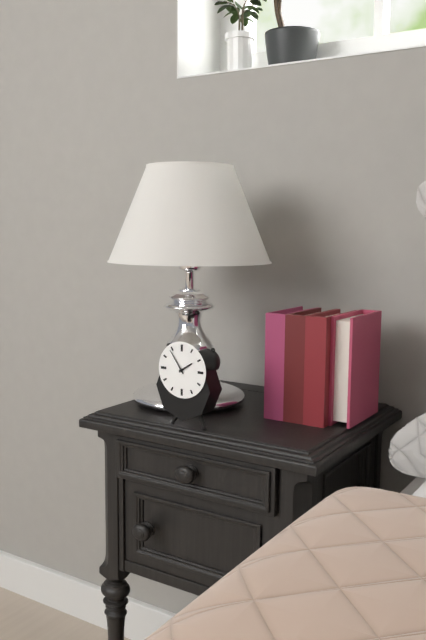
1h54
